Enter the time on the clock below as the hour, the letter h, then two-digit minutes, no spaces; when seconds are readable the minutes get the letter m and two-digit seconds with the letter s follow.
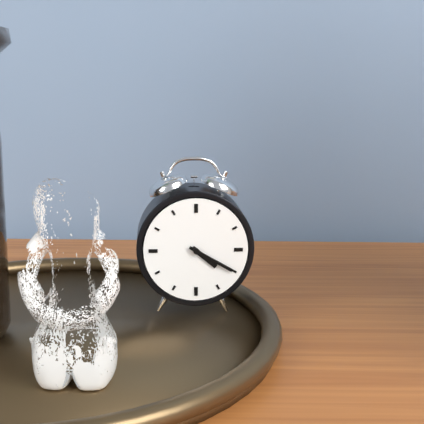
4h20
